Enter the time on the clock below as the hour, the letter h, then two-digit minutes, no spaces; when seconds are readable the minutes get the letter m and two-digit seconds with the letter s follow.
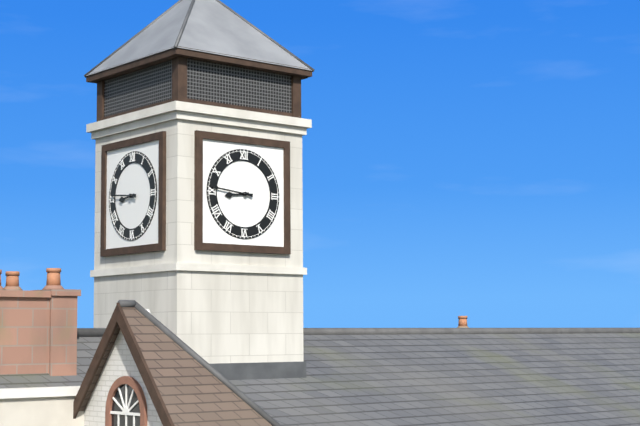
8h46
